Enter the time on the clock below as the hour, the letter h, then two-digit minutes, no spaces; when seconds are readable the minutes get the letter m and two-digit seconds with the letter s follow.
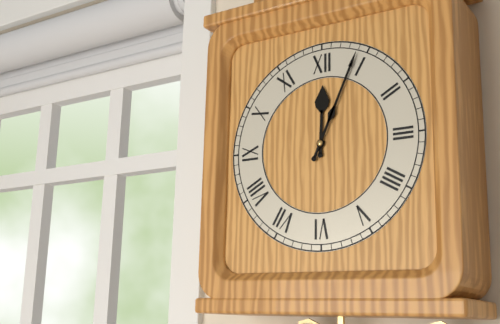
12h04
